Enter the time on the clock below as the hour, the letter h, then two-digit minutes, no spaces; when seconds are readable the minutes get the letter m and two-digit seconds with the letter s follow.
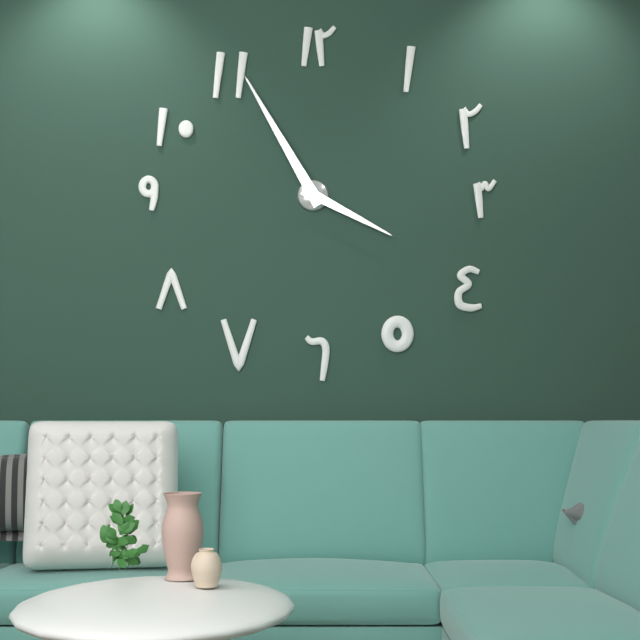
3h55
